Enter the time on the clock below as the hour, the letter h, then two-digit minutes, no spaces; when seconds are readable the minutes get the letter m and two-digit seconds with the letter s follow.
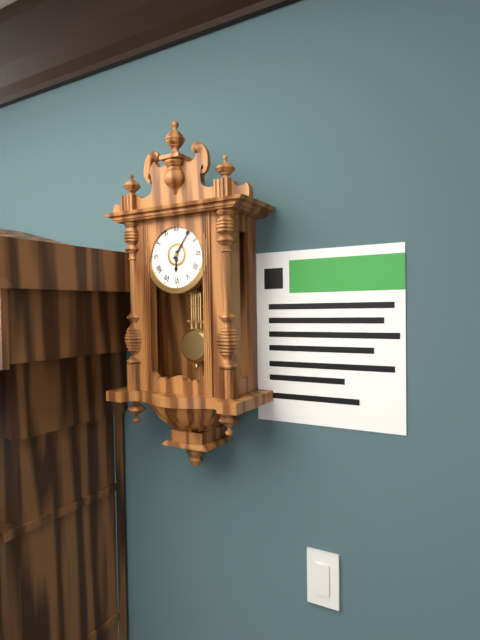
6h06
